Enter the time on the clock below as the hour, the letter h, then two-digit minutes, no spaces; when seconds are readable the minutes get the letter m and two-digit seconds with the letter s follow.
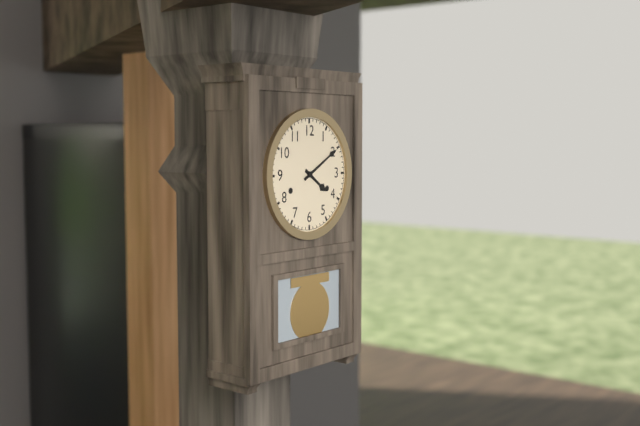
4h10
